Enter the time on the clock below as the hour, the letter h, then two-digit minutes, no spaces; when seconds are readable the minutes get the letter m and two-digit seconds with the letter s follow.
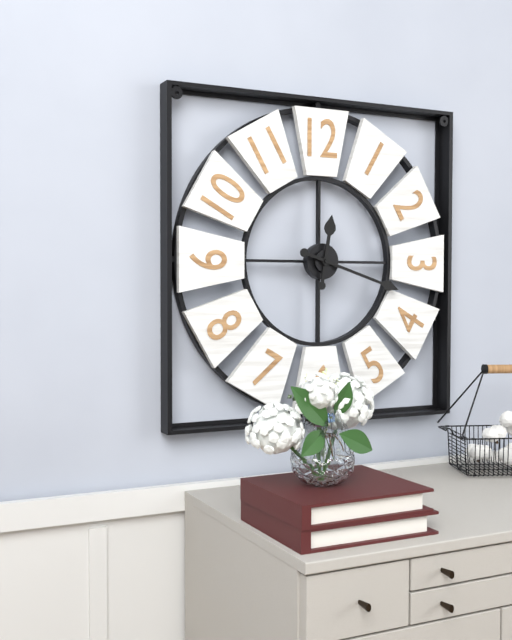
12h18
